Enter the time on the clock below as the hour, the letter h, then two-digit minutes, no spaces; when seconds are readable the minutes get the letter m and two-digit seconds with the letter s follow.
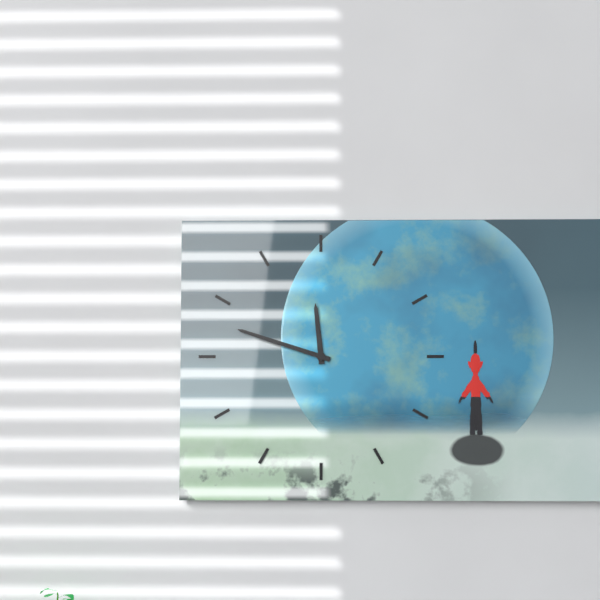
11h48
